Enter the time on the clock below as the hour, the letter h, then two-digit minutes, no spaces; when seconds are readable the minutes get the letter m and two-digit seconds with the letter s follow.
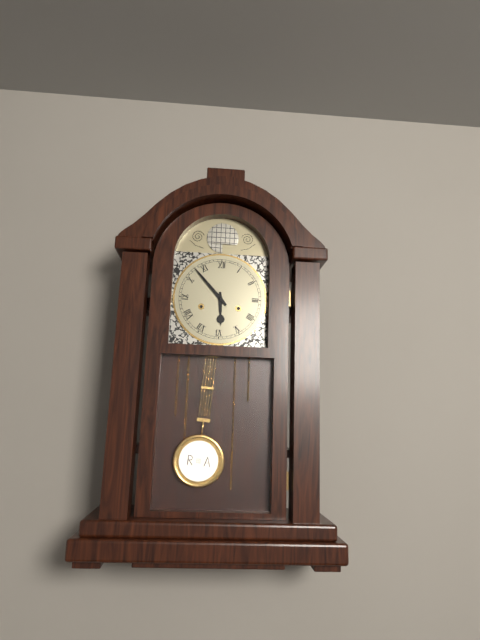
5h53
